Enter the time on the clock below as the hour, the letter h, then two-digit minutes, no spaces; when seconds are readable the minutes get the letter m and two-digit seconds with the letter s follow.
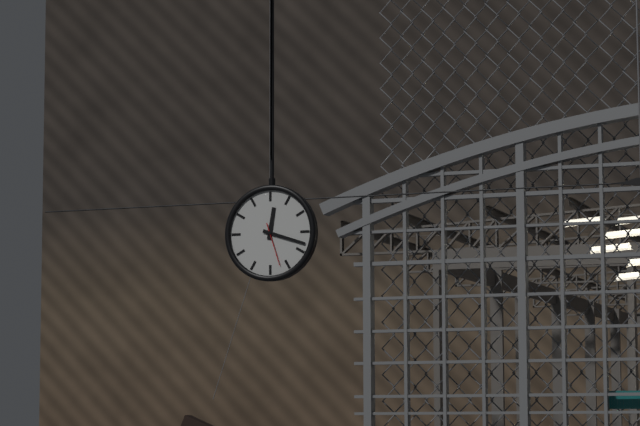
12h18
